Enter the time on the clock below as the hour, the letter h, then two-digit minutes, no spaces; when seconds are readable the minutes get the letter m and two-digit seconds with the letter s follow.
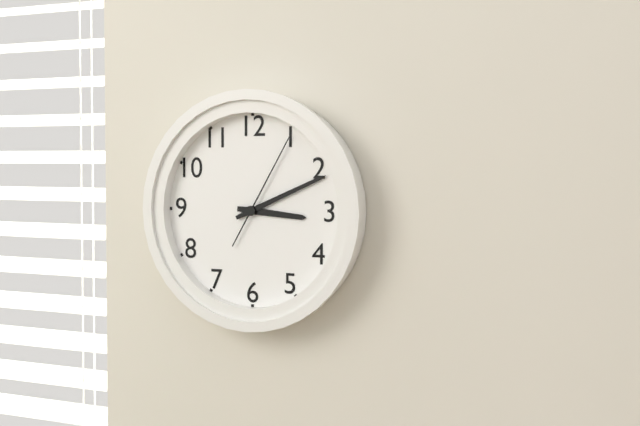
3h11m05s
